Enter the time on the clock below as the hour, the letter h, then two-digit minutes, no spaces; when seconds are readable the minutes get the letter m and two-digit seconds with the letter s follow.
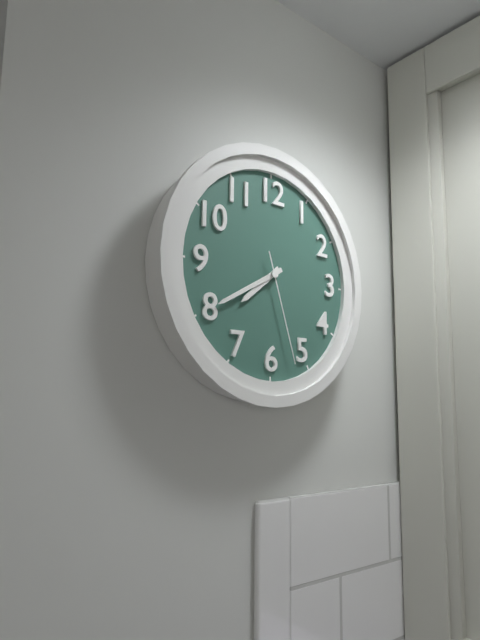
7h40m27s
